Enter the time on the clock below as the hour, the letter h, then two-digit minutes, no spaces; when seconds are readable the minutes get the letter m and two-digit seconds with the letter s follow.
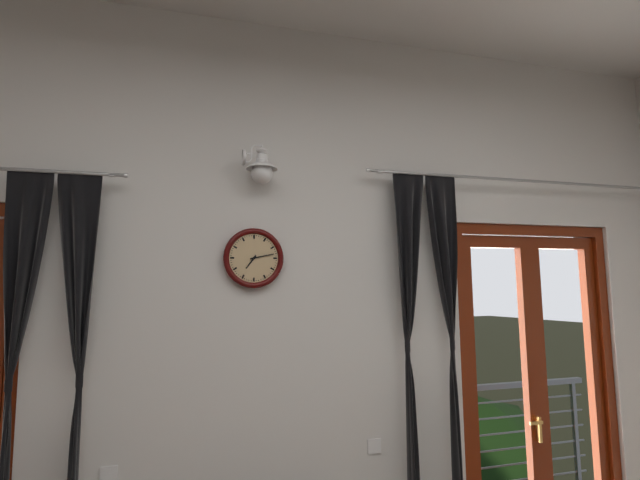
7h13
